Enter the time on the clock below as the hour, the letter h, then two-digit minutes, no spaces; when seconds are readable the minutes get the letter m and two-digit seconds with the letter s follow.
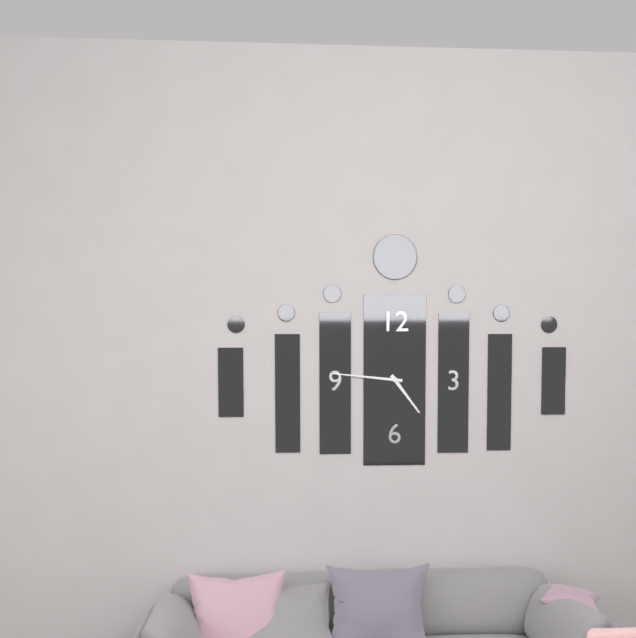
4h46
